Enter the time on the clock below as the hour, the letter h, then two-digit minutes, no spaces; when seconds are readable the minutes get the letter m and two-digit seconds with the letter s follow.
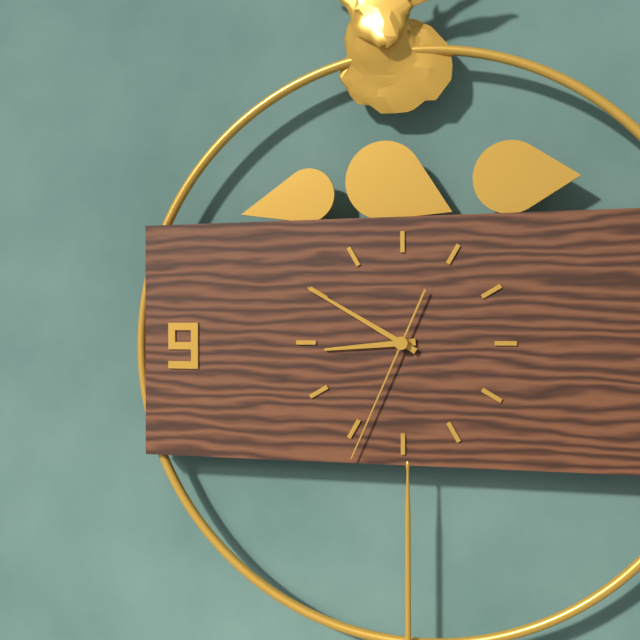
8h50m34s
